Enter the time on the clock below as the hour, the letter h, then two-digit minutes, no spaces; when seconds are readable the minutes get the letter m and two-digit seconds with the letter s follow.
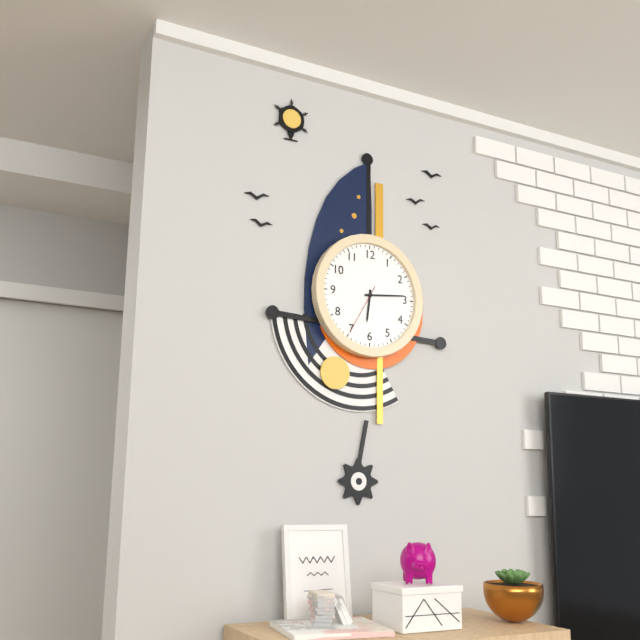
6h14m35s
